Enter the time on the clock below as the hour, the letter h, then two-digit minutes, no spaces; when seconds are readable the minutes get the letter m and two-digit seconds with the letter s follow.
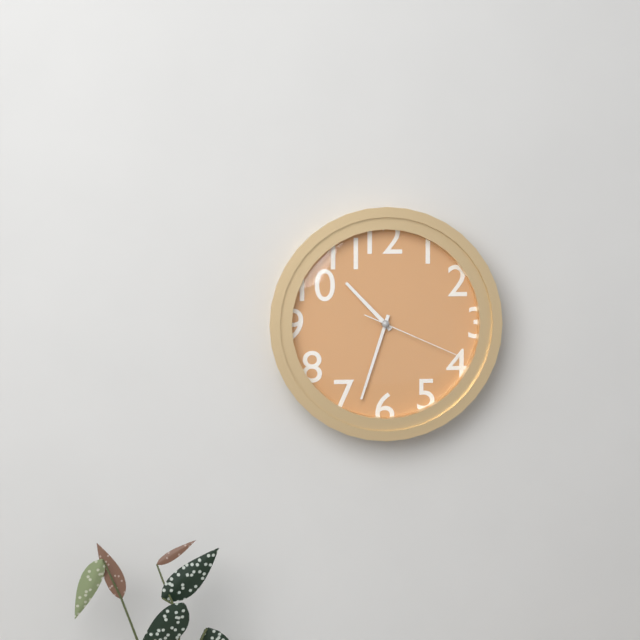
10h33m19s
